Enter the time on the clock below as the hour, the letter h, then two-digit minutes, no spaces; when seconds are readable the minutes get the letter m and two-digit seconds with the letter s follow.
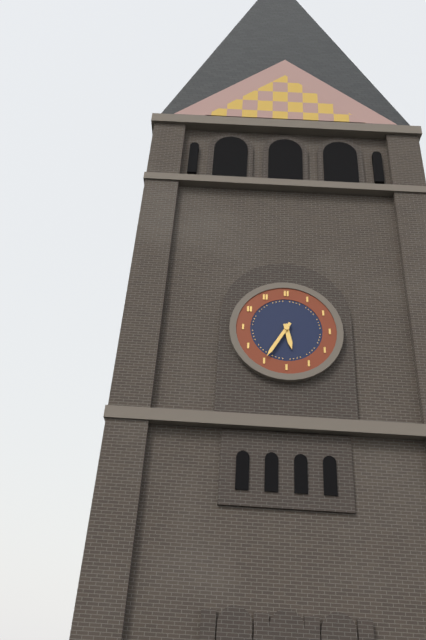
5h35
